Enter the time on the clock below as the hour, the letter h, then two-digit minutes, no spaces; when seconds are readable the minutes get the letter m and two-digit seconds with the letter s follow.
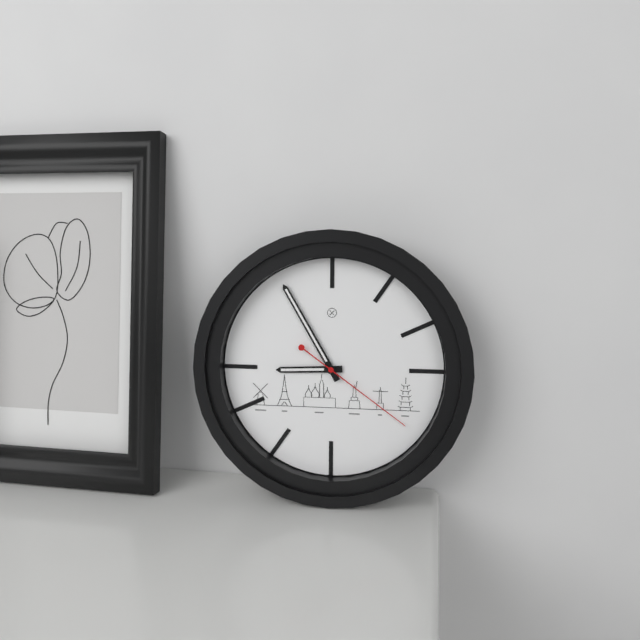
8h55m21s
